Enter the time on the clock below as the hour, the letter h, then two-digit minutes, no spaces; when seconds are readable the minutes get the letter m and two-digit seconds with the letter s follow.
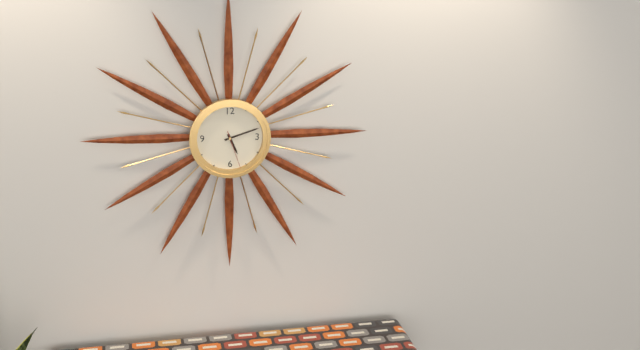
5h12
